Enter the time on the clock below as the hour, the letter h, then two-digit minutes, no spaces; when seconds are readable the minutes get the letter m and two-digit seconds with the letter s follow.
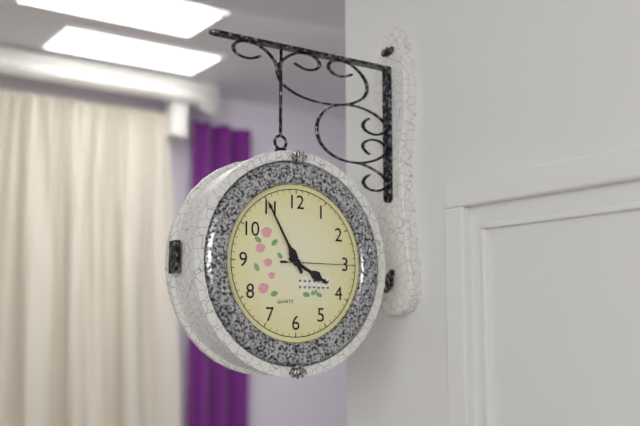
3h55m15s
